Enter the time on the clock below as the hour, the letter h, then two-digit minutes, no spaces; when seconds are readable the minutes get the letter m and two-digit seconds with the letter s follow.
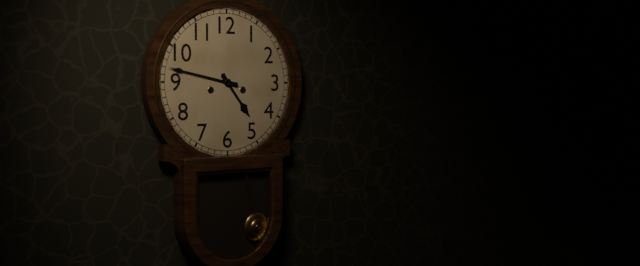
4h47
